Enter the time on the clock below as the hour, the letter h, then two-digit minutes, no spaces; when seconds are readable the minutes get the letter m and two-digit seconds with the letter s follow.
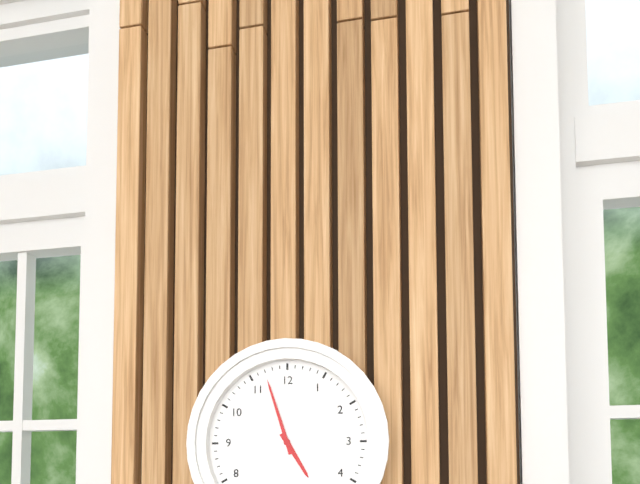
4h57
